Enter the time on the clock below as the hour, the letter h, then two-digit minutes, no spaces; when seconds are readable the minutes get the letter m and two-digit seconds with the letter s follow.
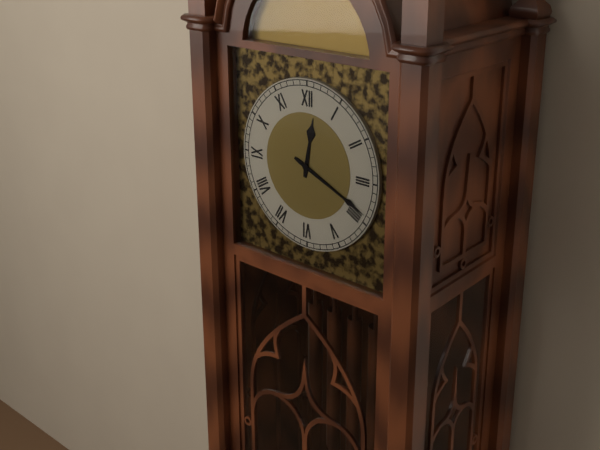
12h19
